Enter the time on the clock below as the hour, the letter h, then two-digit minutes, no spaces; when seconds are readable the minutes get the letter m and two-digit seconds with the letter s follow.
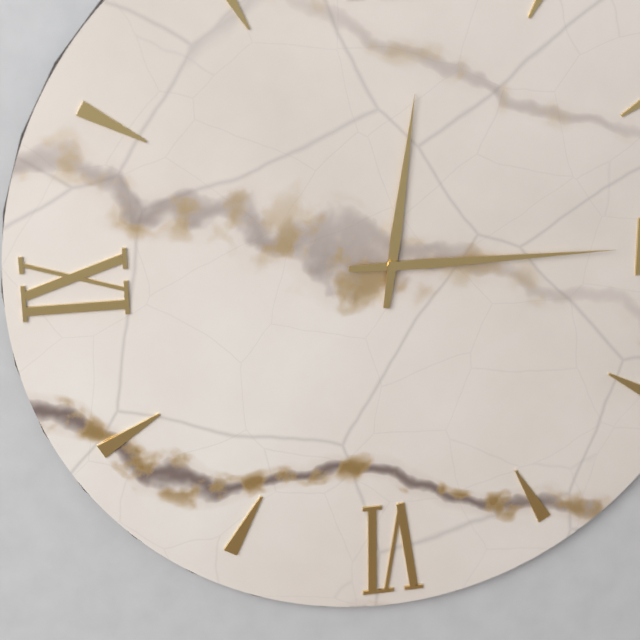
12h15
